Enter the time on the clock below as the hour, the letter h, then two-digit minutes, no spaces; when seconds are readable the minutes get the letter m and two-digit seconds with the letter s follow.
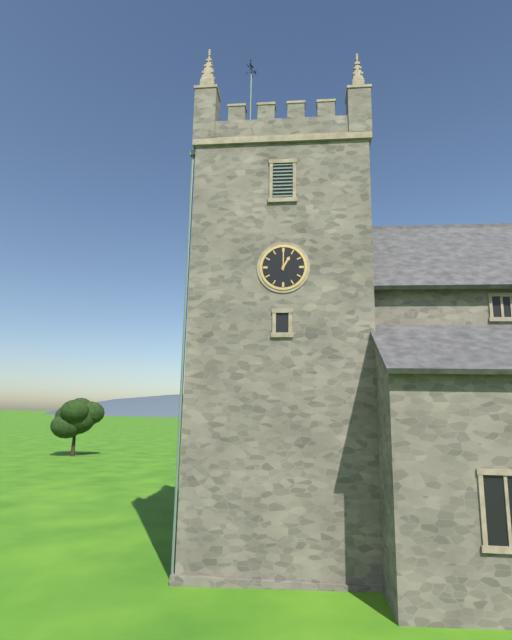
1h00
